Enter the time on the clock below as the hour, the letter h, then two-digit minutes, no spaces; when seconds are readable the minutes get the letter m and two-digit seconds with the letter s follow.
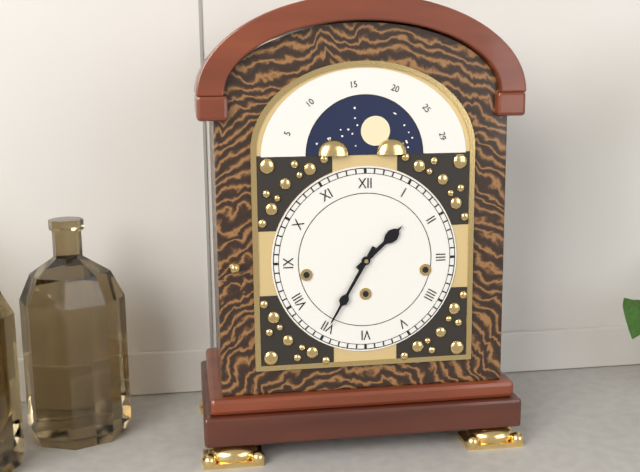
1h35
